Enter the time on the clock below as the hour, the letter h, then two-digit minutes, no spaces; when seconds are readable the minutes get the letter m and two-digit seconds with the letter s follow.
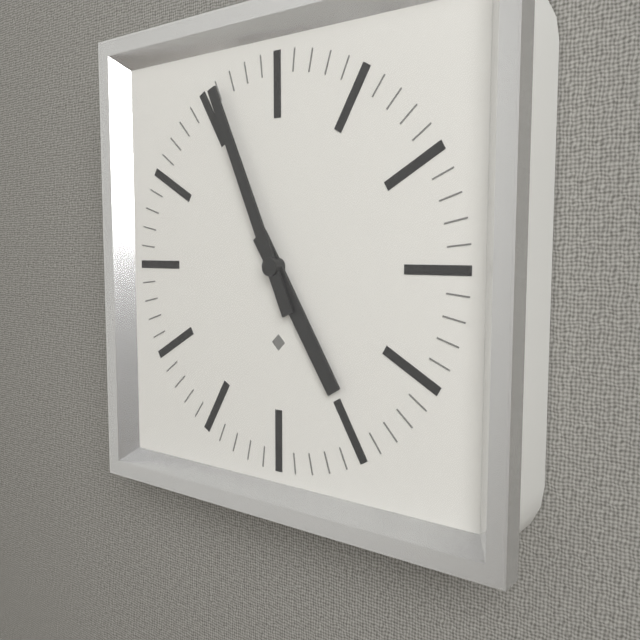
4h56
